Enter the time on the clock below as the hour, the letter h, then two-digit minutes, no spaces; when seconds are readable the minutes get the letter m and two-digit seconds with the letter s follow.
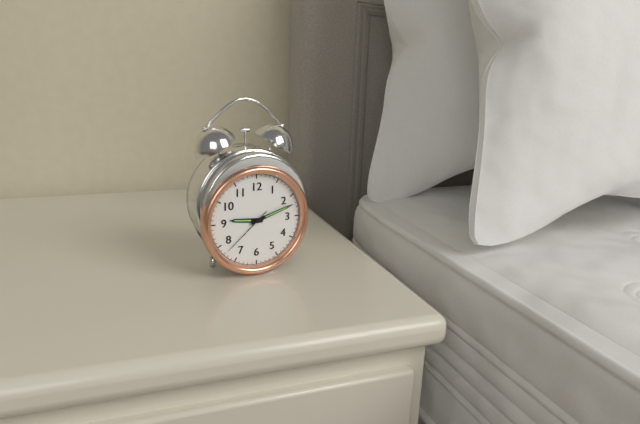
9h12m38s
